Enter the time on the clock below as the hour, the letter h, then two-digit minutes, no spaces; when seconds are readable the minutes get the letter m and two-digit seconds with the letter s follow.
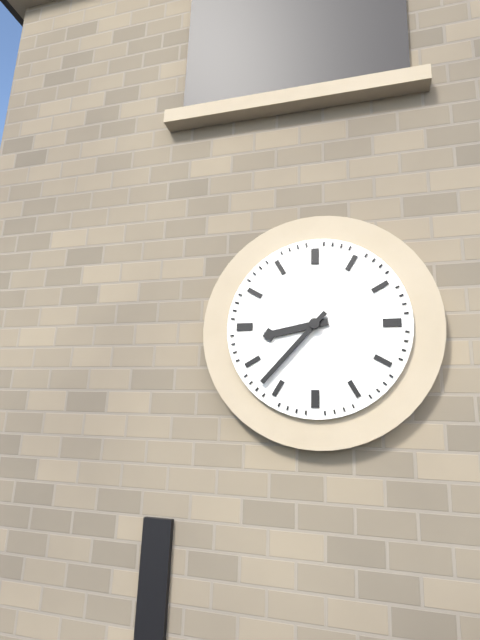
8h37
